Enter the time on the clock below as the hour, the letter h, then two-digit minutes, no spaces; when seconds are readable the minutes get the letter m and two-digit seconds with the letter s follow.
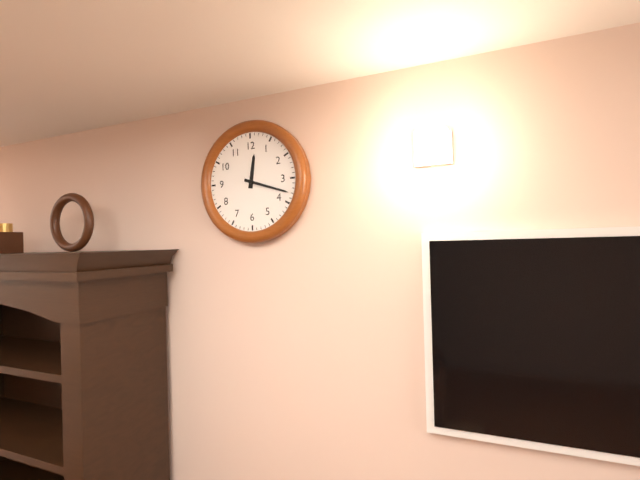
12h18
